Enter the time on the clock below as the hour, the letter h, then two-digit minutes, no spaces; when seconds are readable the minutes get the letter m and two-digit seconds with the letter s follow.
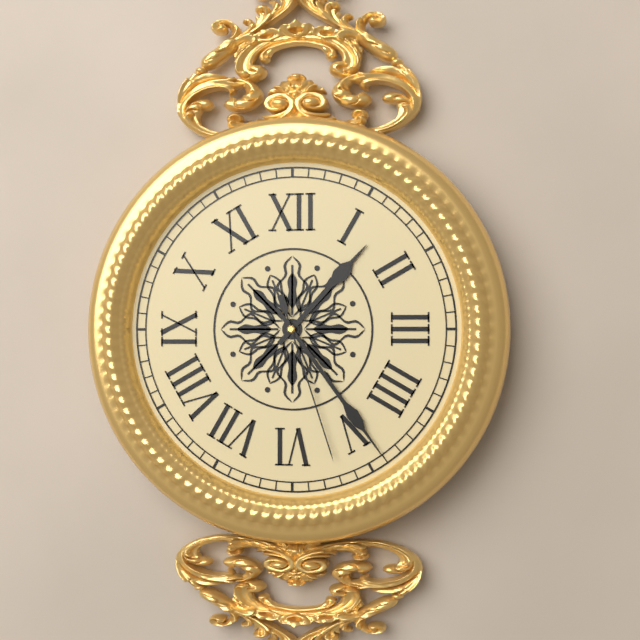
1h24m27s
